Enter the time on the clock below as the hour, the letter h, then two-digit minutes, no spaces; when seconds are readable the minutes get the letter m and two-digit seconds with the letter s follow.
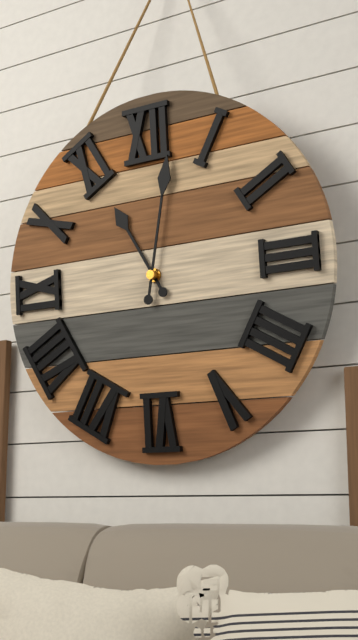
11h02
